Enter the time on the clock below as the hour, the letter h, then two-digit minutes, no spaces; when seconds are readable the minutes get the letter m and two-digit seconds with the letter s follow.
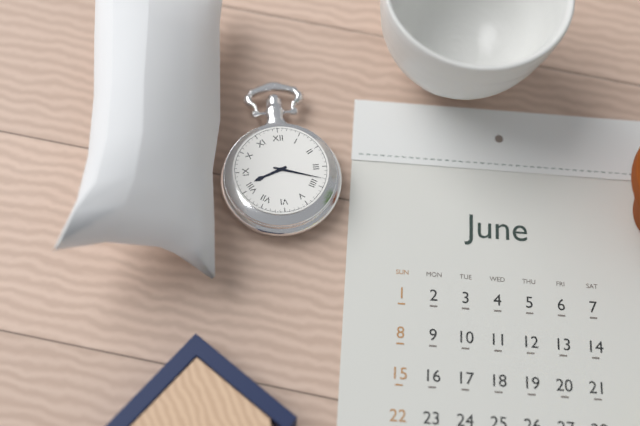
8h18
